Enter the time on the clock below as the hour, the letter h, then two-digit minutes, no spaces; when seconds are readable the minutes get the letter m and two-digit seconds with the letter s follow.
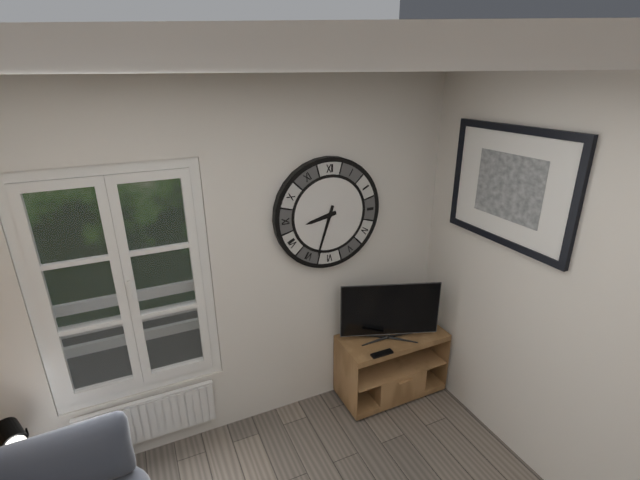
8h33
